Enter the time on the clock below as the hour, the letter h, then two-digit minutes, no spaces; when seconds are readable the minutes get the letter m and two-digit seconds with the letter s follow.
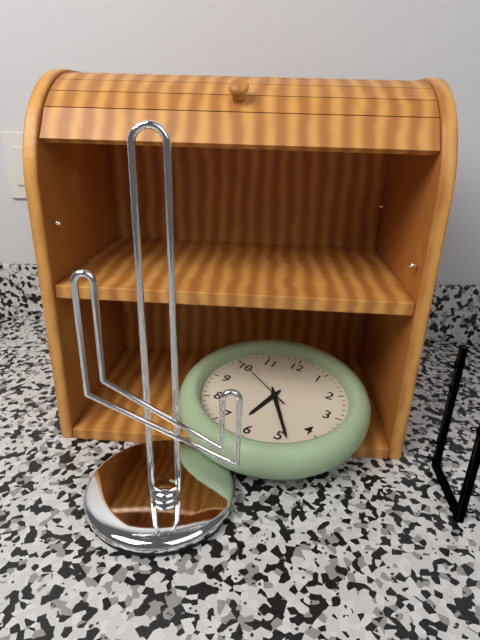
6h24m50s
